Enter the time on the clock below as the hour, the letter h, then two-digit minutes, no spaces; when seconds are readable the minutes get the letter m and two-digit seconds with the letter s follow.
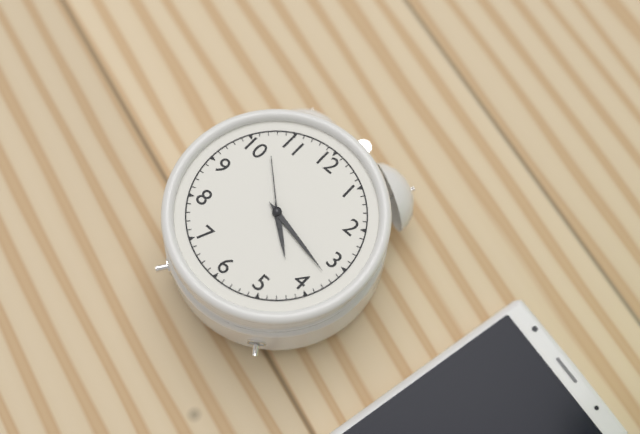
4h17m52s
